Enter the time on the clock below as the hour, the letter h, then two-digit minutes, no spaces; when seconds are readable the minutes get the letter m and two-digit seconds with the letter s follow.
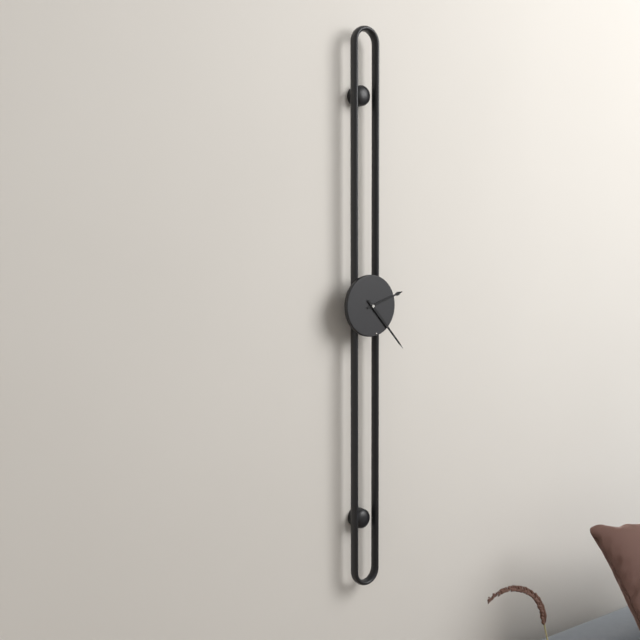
2h23
